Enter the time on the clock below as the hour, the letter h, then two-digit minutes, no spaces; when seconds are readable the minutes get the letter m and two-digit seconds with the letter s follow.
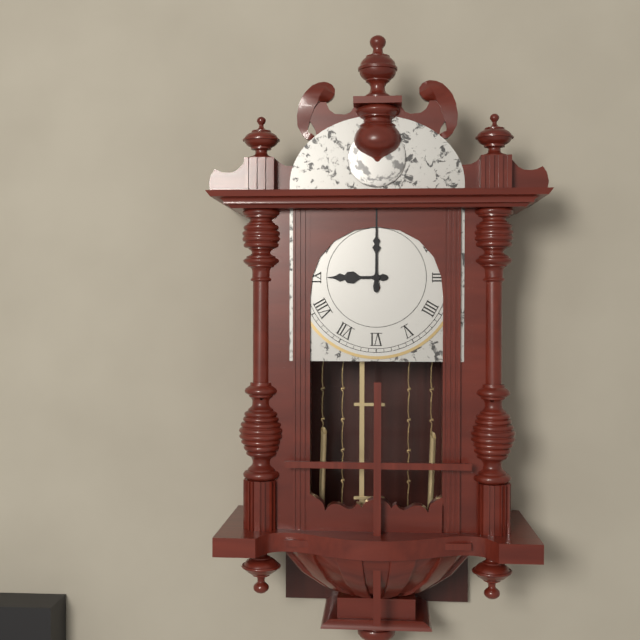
9h00
